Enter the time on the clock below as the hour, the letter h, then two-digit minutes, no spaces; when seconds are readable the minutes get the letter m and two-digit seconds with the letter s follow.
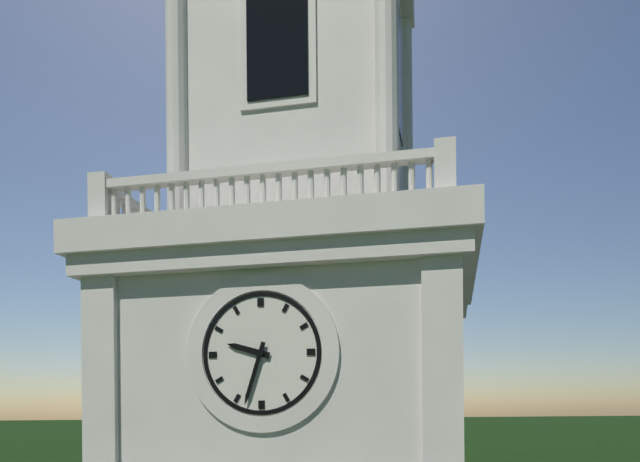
9h33
